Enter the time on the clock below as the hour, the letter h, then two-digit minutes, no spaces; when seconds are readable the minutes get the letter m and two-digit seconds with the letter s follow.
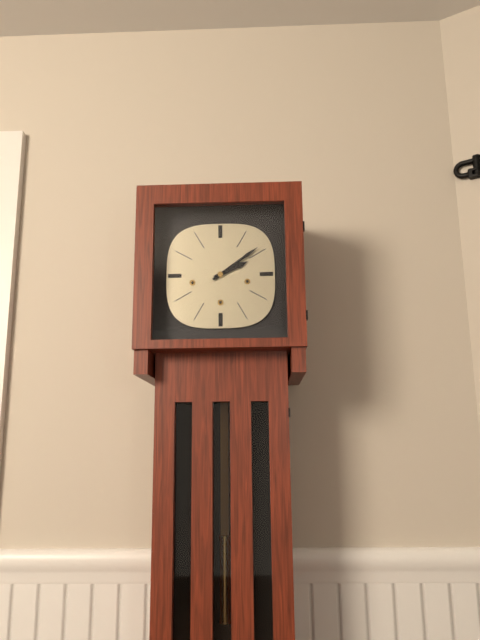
2h09
